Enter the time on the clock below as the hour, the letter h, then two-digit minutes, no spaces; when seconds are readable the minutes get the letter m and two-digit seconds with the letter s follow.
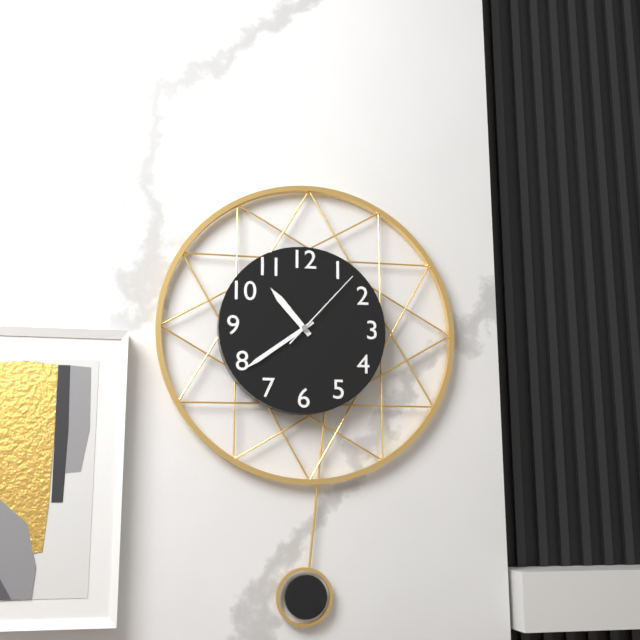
10h39m07s
